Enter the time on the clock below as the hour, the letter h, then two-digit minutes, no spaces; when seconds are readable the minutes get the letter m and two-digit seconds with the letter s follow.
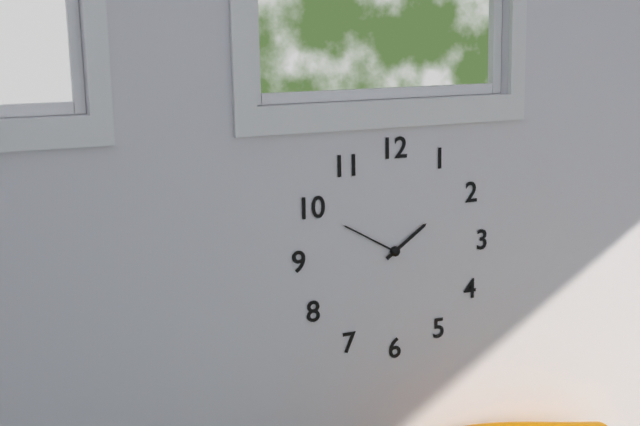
1h50
